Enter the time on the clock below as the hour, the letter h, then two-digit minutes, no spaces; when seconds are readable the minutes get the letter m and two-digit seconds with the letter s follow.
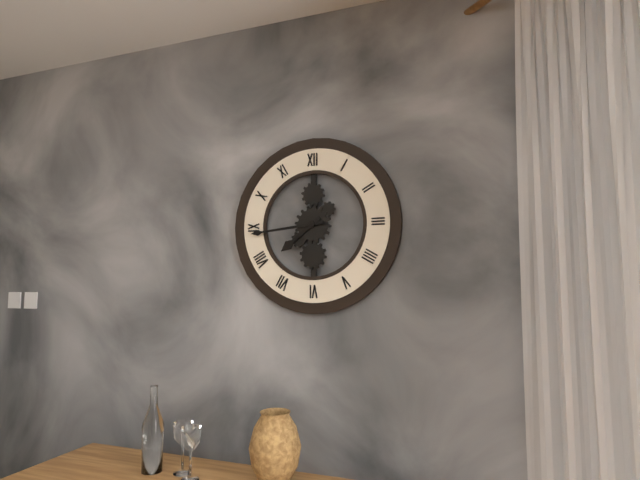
7h44
